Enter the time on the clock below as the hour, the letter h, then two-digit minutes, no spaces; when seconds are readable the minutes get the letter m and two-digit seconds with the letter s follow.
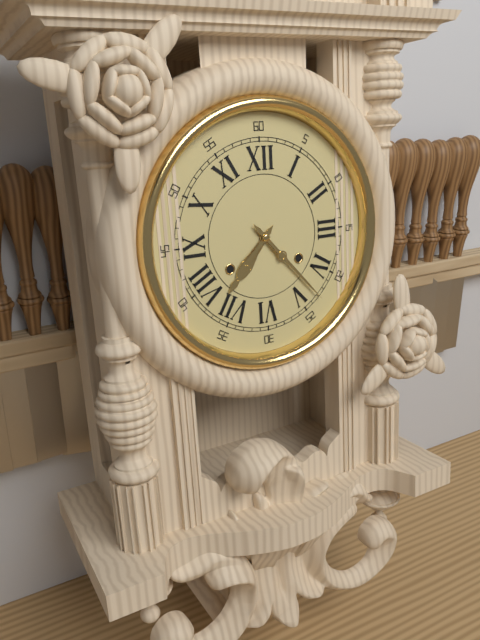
7h23
